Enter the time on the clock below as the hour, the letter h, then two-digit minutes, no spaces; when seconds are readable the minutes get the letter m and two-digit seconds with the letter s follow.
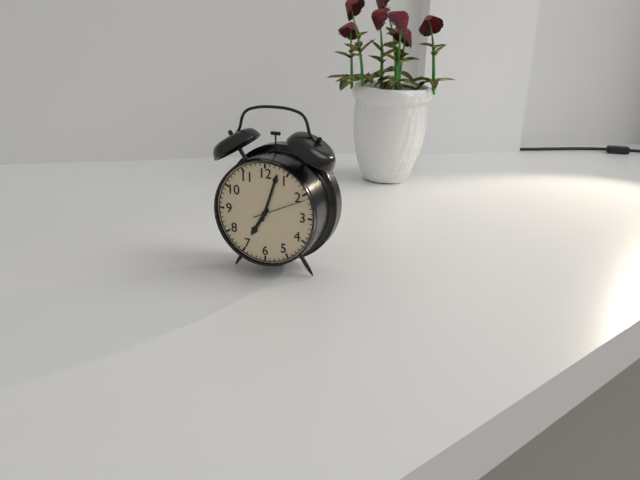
7h03m11s
